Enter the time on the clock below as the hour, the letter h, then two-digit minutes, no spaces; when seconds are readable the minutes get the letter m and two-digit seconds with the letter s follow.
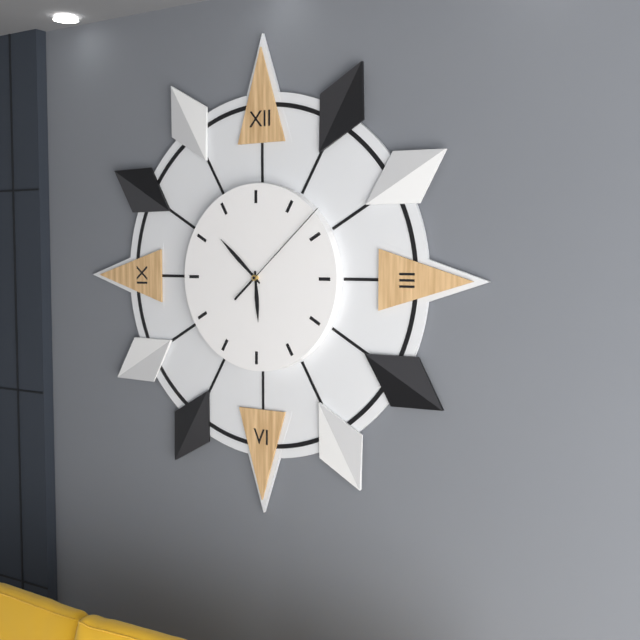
5h52m08s
